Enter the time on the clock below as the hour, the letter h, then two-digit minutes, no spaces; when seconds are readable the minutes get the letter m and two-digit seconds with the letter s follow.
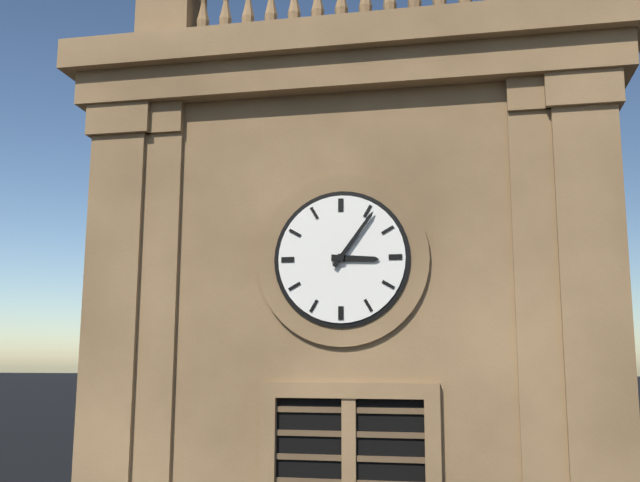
3h06
